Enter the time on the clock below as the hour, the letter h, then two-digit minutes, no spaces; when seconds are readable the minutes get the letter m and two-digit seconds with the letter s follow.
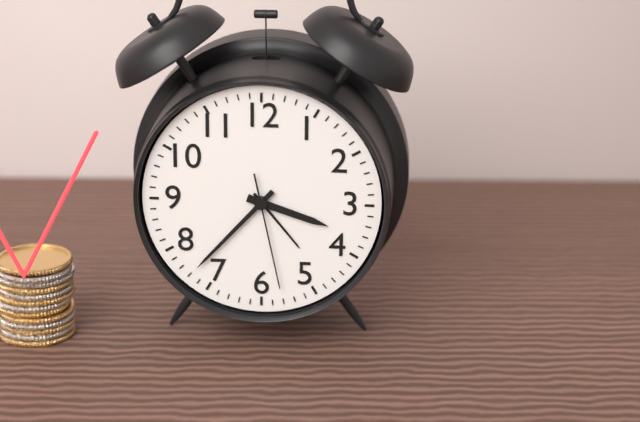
3h37m28s
